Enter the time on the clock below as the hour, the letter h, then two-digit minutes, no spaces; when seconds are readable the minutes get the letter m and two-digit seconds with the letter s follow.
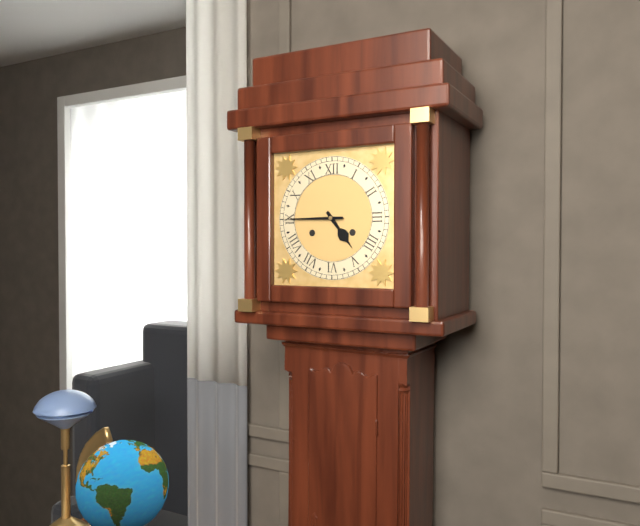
4h45
